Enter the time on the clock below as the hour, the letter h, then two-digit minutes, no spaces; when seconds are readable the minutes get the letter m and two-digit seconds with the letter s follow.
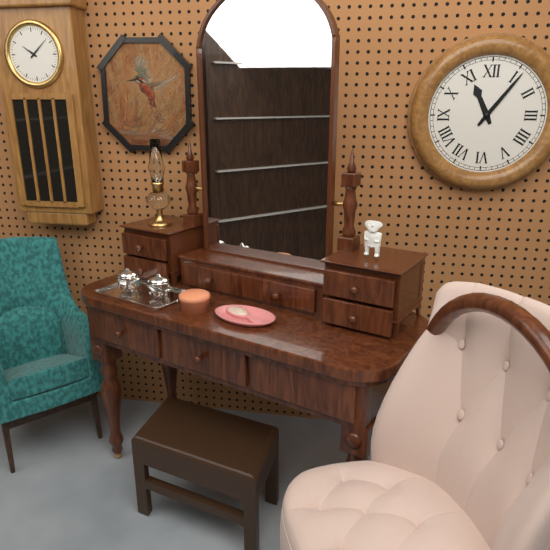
11h06
